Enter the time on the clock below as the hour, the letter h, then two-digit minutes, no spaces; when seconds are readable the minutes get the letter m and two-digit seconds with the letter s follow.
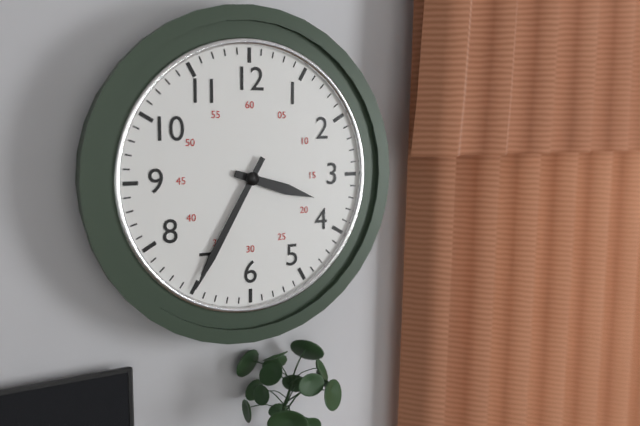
3h35
